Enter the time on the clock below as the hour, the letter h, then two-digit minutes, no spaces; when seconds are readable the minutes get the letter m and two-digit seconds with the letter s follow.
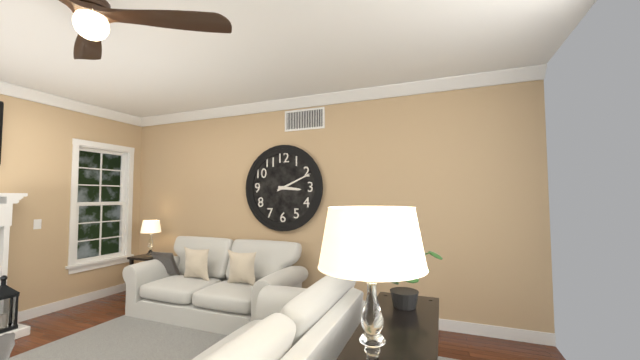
3h11
